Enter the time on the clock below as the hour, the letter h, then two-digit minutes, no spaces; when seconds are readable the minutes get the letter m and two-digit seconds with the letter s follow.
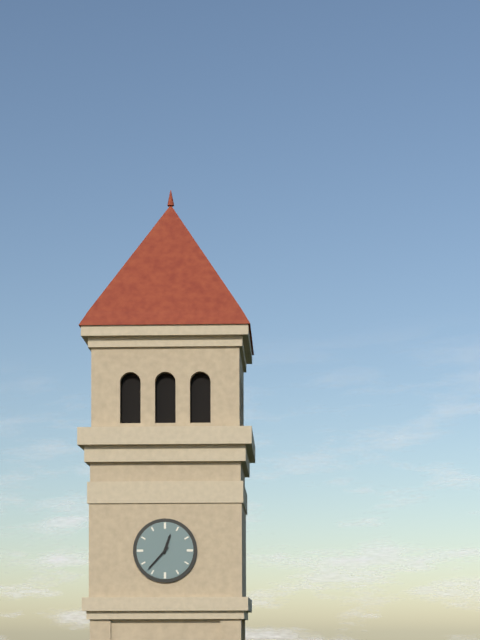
12h37
